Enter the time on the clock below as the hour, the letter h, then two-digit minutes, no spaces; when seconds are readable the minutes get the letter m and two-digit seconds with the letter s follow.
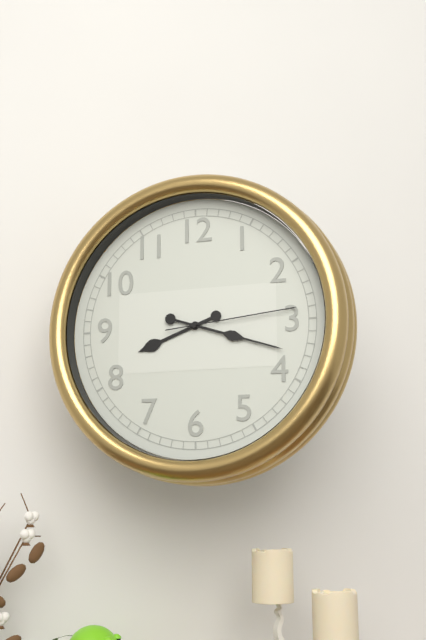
8h18m14s
